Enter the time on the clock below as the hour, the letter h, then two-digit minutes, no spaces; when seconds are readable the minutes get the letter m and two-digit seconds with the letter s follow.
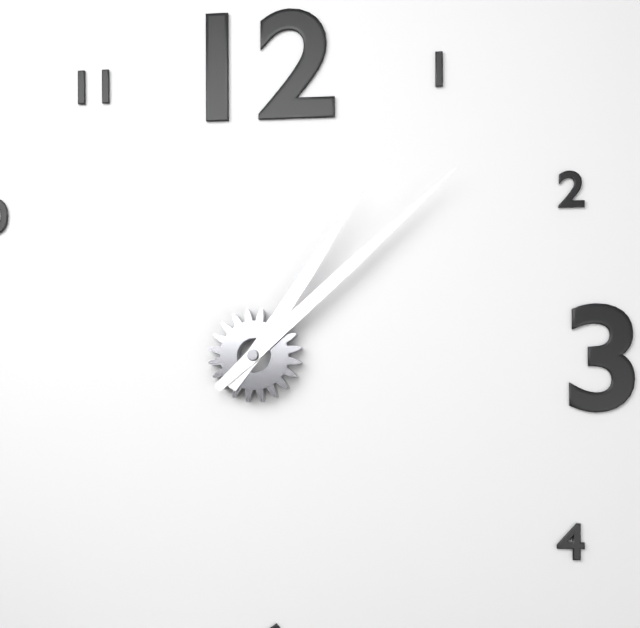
1h08
